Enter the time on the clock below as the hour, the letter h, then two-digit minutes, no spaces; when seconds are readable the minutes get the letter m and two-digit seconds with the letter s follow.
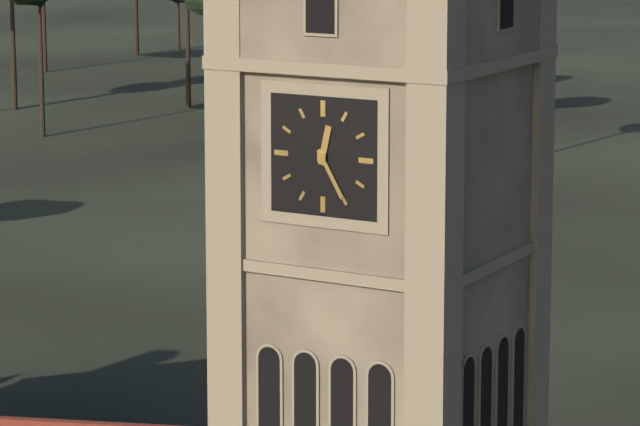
12h25
